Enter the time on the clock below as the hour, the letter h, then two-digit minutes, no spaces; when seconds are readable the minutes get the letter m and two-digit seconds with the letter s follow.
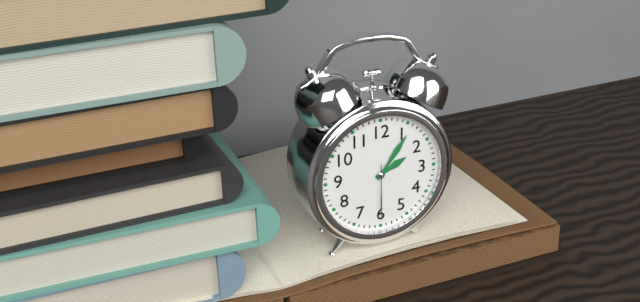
2h06m30s
